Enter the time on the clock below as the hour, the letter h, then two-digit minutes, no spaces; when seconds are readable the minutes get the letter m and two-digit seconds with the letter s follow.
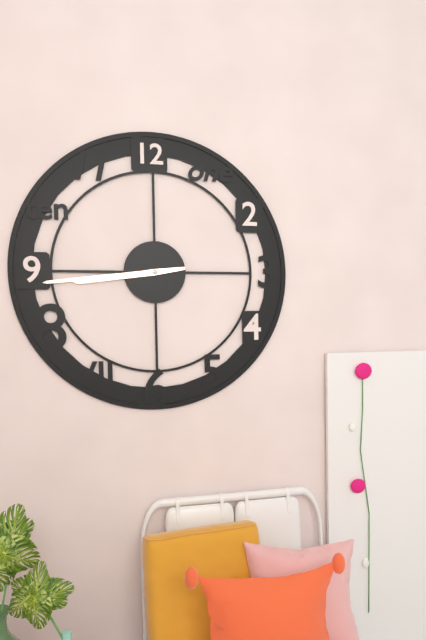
8h44
